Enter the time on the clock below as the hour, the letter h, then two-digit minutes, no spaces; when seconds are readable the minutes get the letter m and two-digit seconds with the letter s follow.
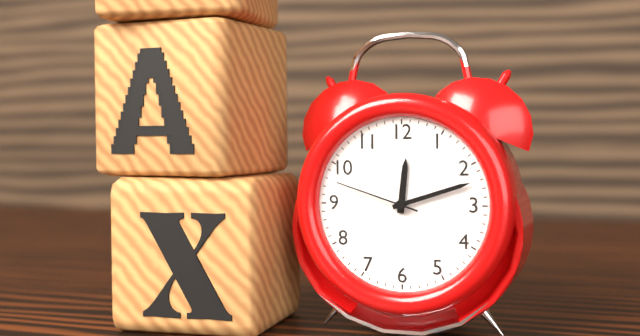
12h12m48s
